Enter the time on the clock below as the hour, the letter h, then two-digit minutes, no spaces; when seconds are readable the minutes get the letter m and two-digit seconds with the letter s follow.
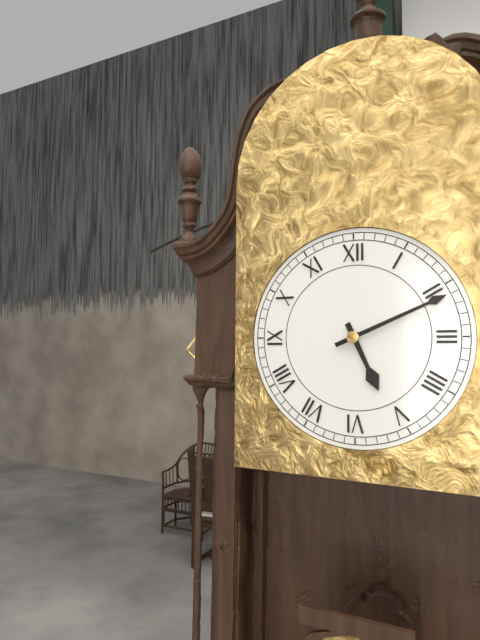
5h11
